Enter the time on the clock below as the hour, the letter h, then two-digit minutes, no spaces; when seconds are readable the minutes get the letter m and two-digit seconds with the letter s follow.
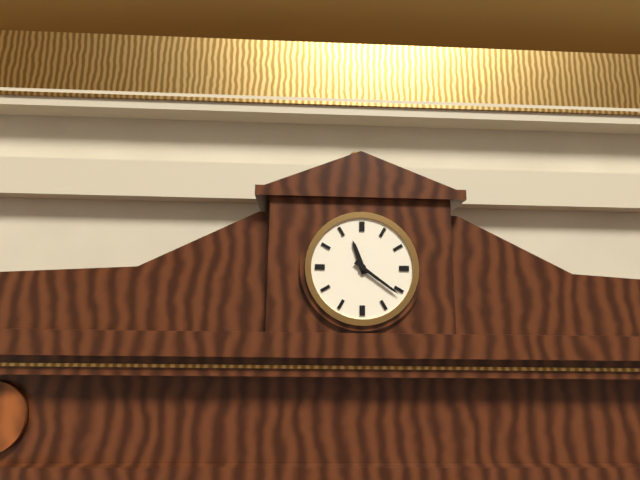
11h21
